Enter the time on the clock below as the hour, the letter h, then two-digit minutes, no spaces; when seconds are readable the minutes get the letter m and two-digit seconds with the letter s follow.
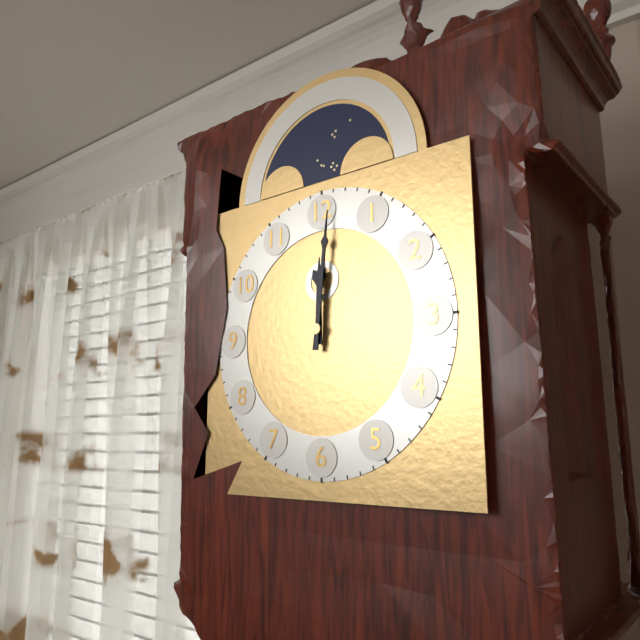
12h01
